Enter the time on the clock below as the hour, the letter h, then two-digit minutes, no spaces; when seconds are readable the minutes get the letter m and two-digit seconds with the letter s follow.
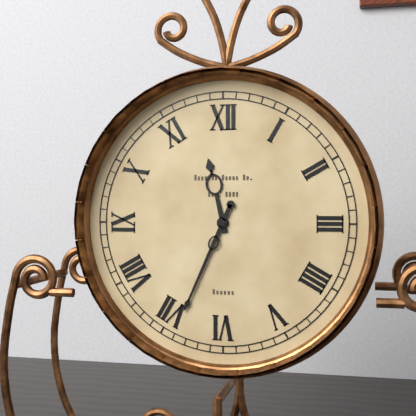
11h34
